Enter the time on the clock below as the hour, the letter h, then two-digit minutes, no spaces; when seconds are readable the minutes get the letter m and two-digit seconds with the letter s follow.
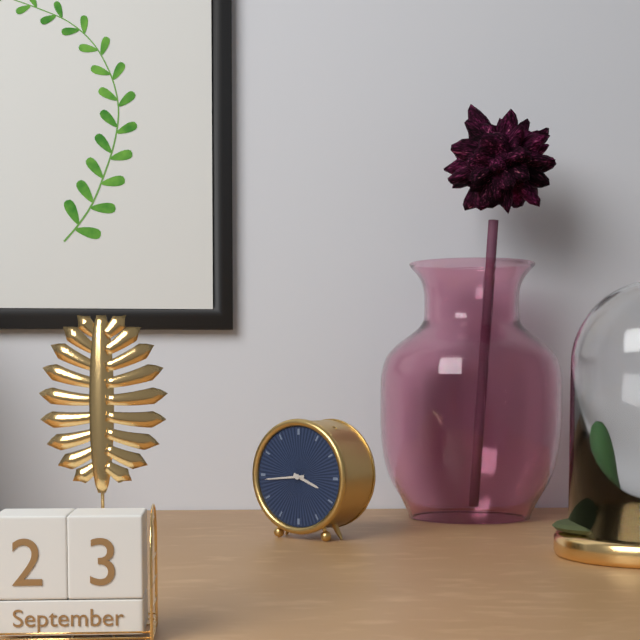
3h44
